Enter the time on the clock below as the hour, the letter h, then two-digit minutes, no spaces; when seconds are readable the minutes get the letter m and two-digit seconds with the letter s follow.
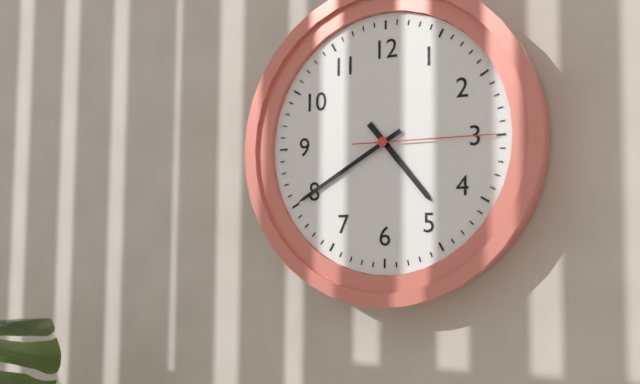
4h40m15s
